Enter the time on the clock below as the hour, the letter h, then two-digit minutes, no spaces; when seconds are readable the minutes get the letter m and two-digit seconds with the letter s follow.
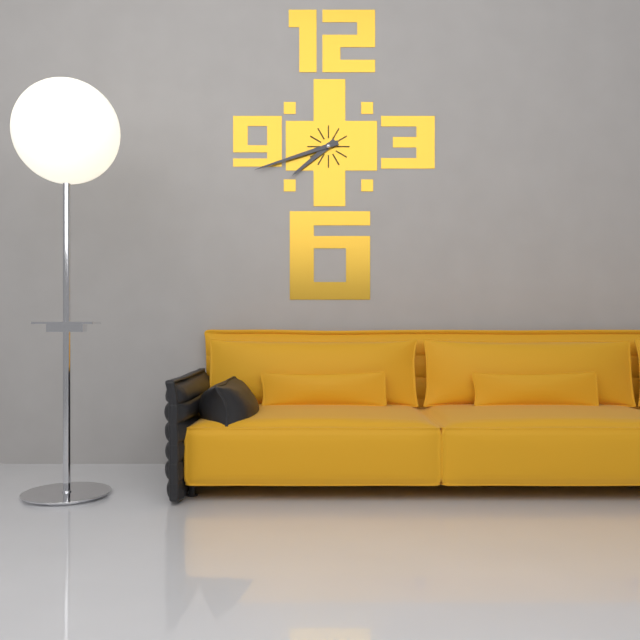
7h42
